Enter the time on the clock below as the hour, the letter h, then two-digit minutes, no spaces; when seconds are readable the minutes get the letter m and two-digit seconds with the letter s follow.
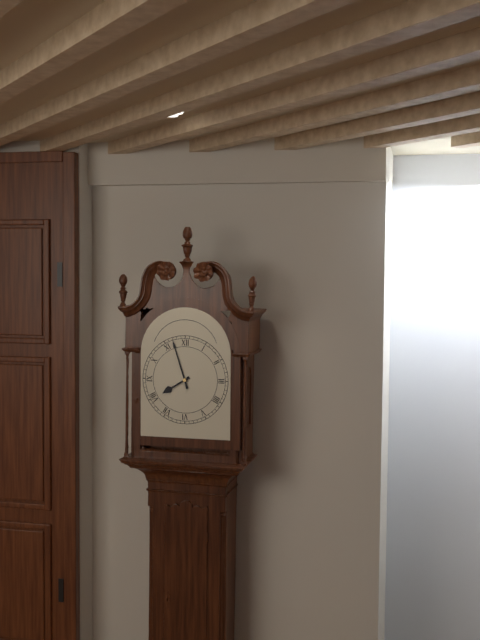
7h57
